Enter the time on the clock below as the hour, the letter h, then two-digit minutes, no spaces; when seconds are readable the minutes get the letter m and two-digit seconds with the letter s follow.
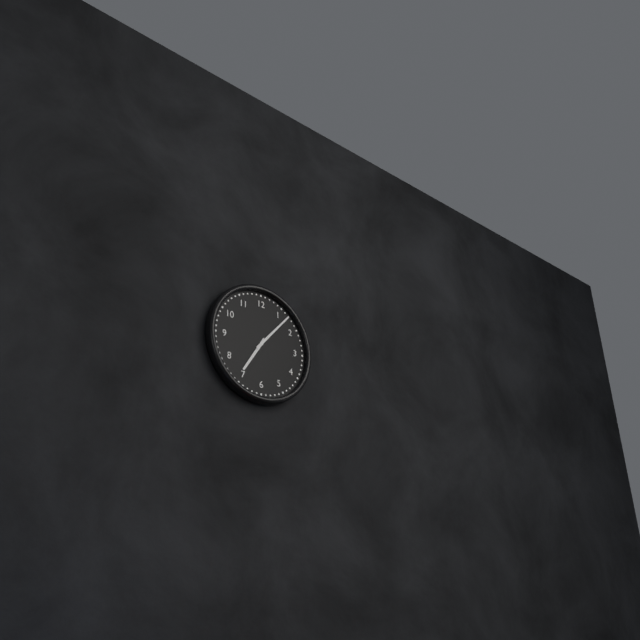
7h07
